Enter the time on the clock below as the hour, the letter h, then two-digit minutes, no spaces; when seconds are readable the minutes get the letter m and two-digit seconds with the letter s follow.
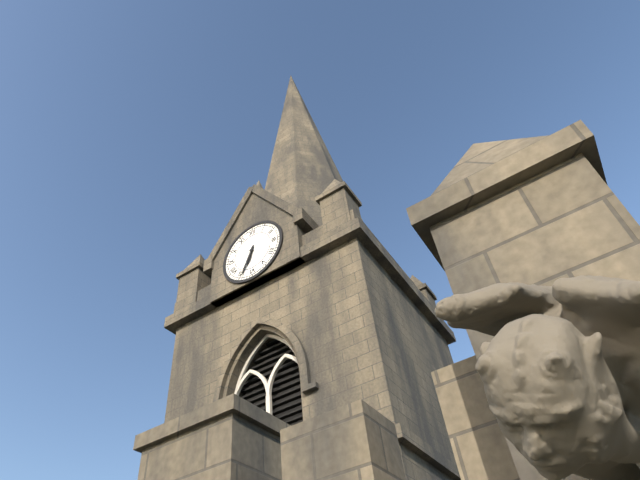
6h34
